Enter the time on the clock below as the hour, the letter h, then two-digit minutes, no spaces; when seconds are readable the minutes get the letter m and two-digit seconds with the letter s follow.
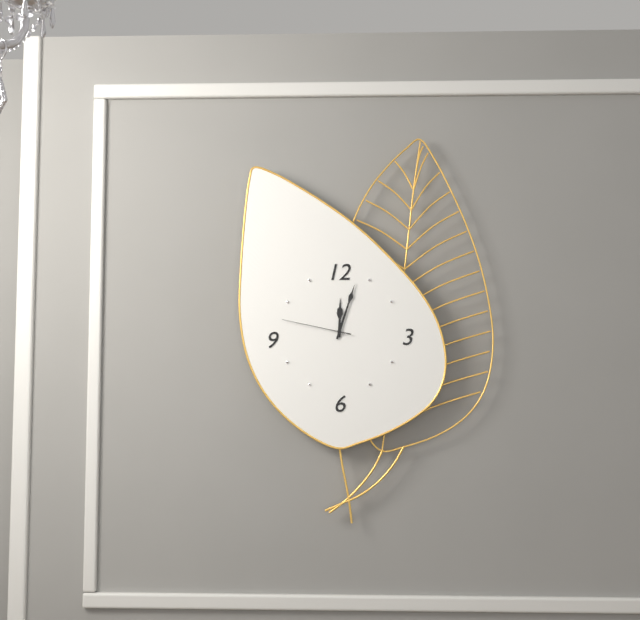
12h03m47s
